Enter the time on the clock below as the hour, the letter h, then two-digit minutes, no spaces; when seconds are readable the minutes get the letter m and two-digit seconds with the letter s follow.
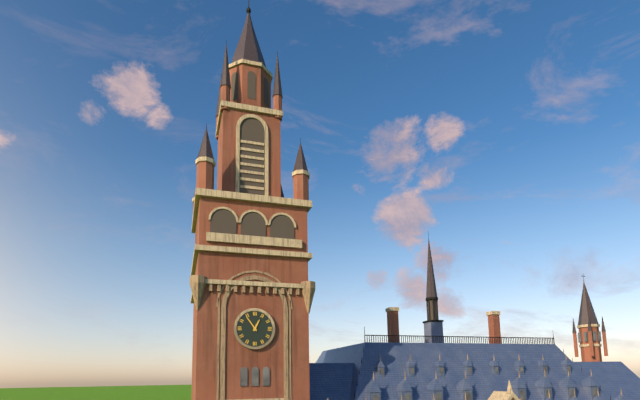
12h54
